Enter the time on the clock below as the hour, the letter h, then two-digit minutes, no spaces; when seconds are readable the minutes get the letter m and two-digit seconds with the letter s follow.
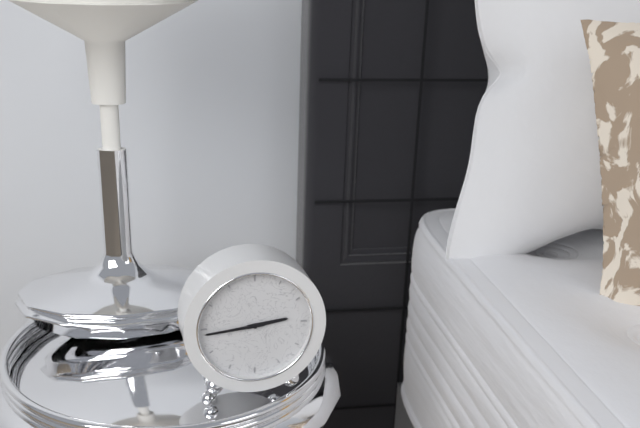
2h44
